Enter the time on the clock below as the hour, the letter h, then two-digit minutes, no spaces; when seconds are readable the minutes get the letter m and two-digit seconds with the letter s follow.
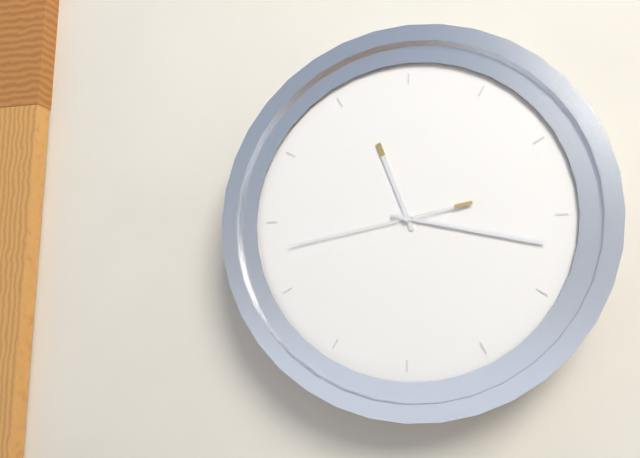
11h17m43s
